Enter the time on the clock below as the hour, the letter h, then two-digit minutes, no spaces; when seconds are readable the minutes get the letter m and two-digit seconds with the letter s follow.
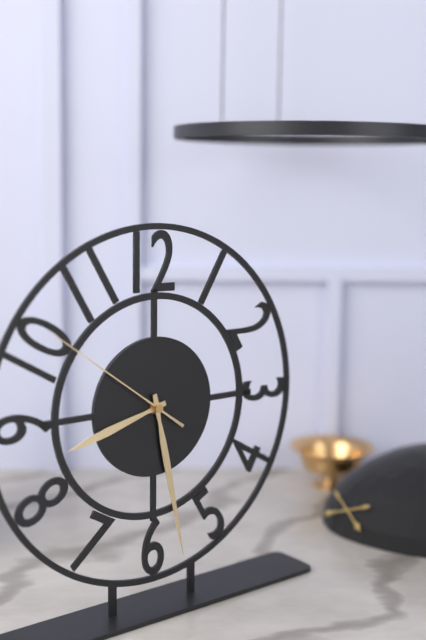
8h28m51s
